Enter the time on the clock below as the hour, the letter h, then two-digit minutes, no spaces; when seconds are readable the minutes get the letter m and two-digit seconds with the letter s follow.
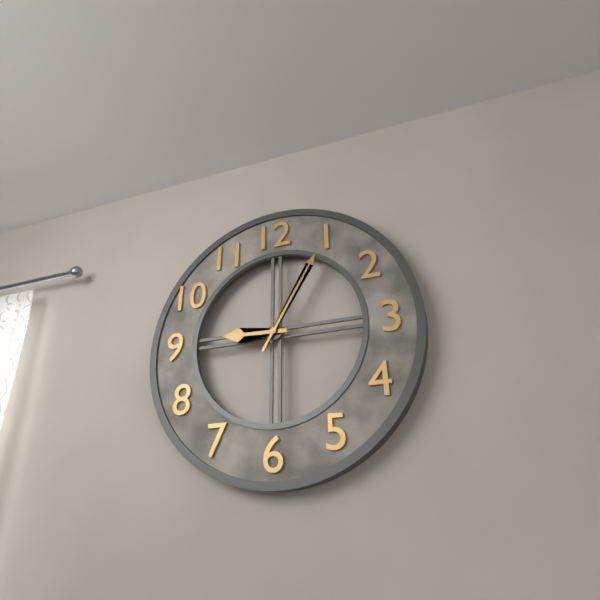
9h05
